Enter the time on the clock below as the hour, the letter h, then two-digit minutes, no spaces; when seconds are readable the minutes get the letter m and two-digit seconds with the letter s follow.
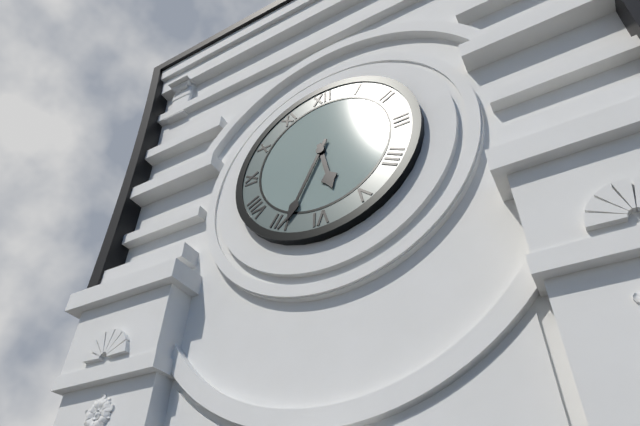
5h34
